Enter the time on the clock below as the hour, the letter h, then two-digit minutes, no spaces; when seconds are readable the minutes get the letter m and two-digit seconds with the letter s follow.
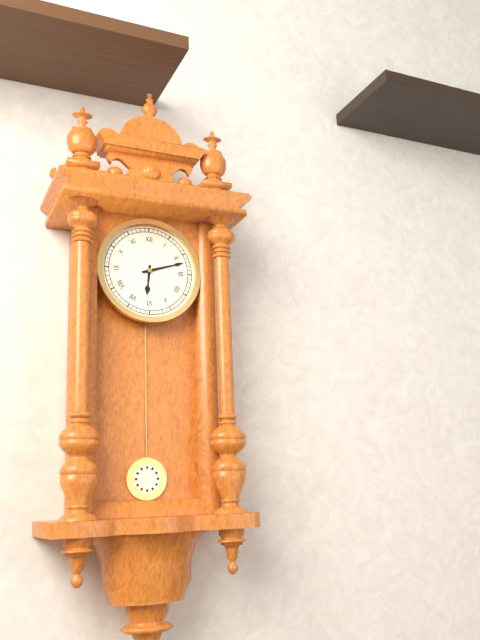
6h12
